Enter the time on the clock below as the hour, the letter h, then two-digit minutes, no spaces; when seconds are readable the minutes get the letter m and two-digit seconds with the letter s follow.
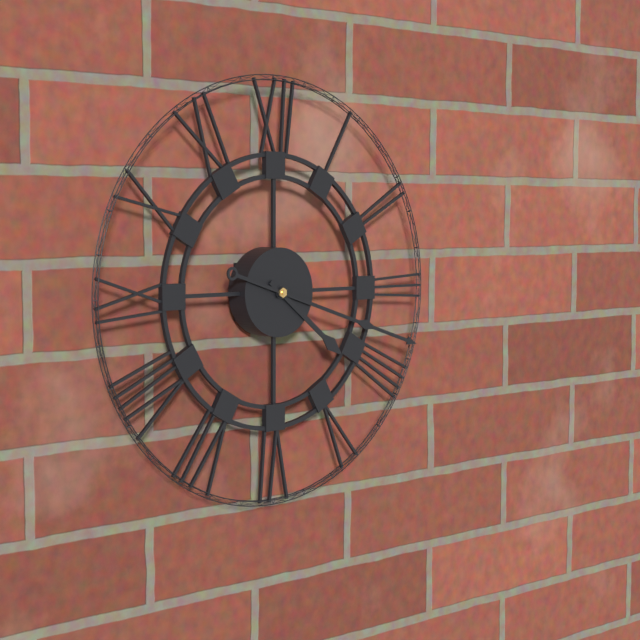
4h18
